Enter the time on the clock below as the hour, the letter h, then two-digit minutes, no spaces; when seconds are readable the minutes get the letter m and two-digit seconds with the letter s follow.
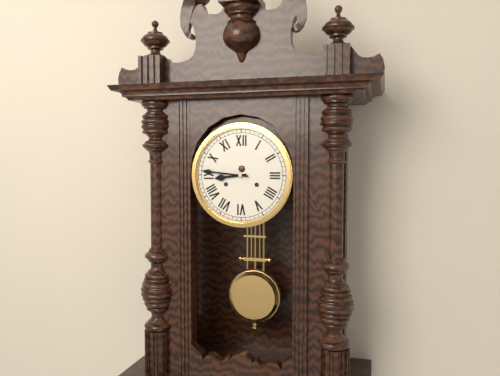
8h46
